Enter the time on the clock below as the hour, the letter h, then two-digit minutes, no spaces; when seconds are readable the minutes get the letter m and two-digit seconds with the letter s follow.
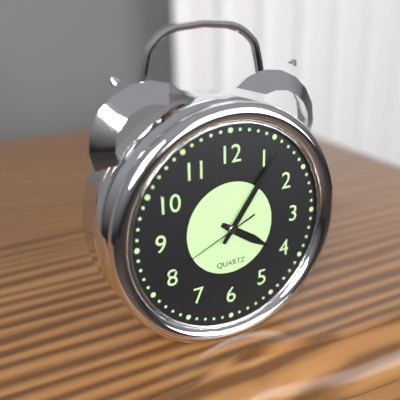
4h06m41s
